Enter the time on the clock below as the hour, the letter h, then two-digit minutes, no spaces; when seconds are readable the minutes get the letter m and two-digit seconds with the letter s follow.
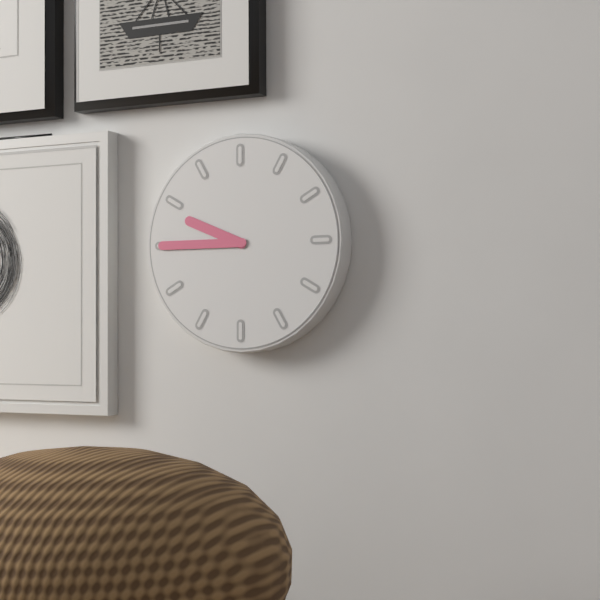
9h45
